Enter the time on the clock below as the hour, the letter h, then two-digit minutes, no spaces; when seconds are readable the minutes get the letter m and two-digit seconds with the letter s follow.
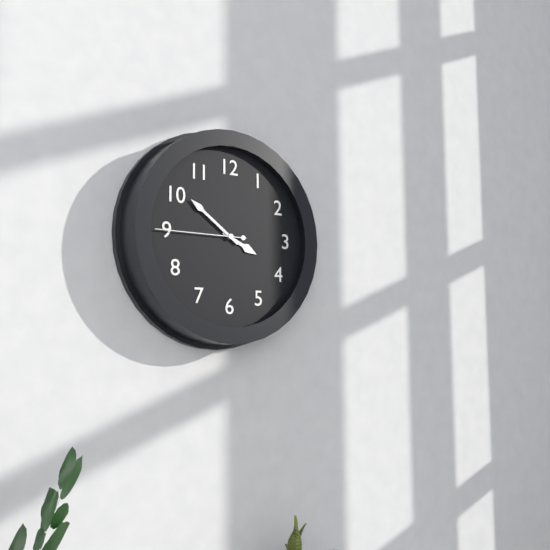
3h51m45s
